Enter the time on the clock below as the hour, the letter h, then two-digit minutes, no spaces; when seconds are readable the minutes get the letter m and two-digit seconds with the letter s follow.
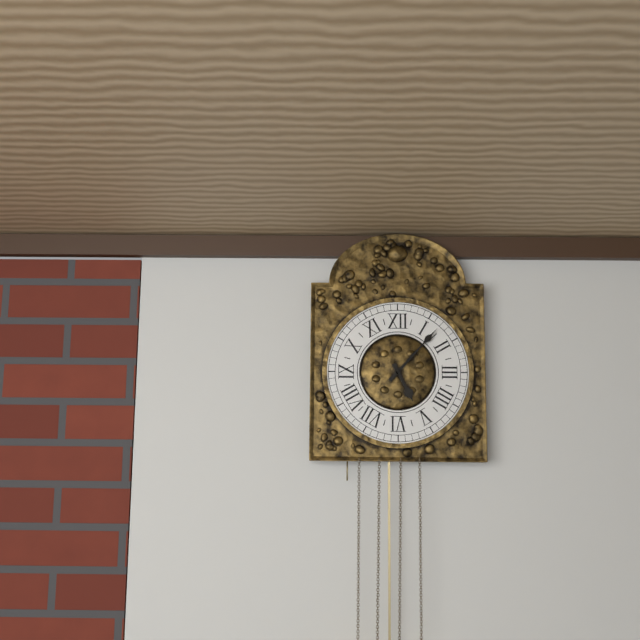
5h07
